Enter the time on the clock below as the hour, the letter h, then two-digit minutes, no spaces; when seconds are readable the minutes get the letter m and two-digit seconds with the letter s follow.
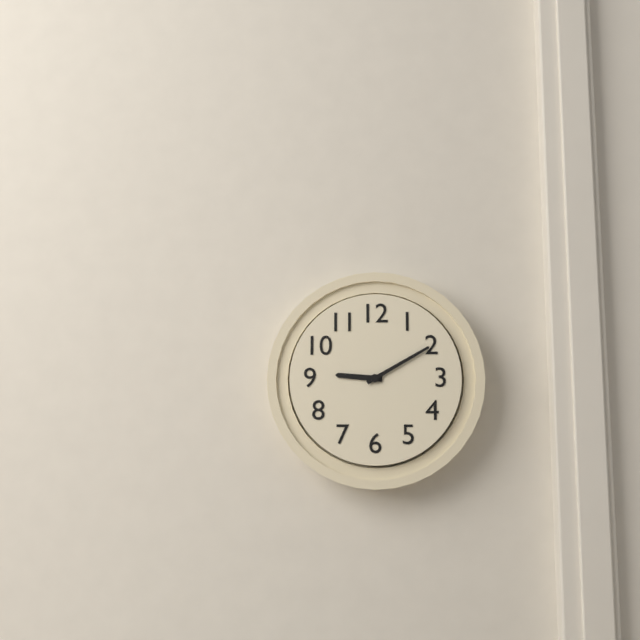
9h10
